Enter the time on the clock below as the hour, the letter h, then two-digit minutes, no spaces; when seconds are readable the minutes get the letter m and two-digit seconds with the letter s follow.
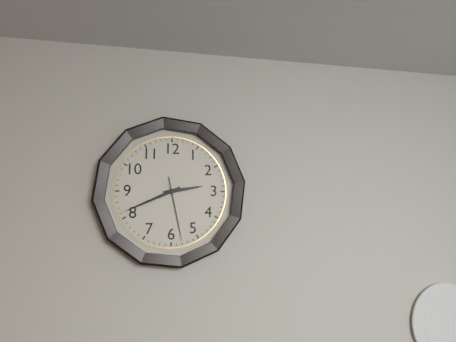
2h41m28s
